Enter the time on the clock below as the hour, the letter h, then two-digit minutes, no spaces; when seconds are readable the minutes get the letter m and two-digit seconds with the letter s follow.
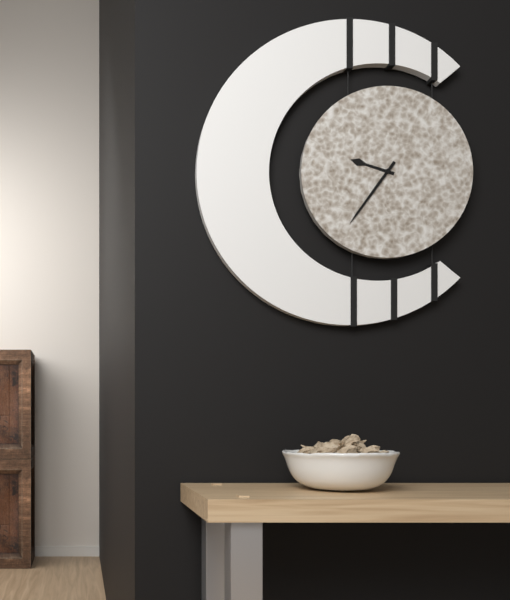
9h36
